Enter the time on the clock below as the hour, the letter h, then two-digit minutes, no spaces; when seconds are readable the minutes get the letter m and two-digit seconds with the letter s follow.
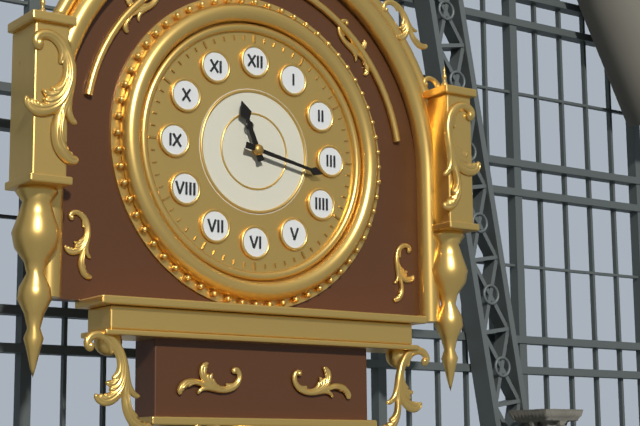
11h17
